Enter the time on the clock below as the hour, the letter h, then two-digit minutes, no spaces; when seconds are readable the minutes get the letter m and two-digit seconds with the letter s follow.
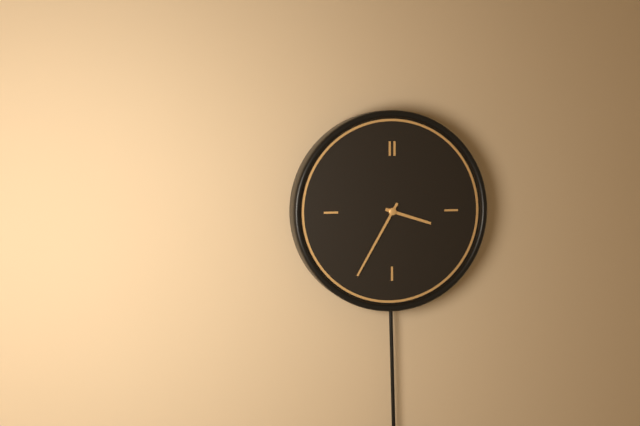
3h35
